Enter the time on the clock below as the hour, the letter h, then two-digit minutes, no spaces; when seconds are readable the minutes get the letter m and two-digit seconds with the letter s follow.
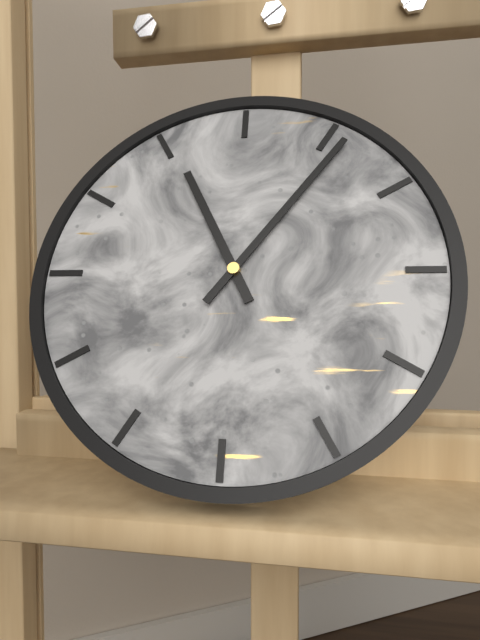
11h06
